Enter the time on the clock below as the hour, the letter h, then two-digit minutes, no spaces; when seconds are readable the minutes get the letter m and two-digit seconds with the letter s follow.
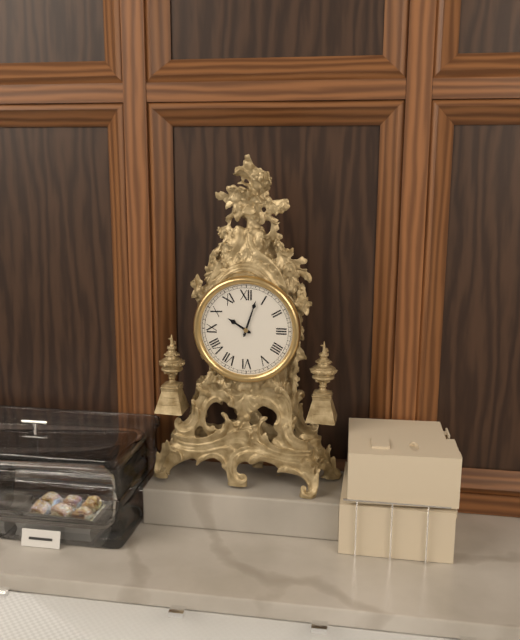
10h03
